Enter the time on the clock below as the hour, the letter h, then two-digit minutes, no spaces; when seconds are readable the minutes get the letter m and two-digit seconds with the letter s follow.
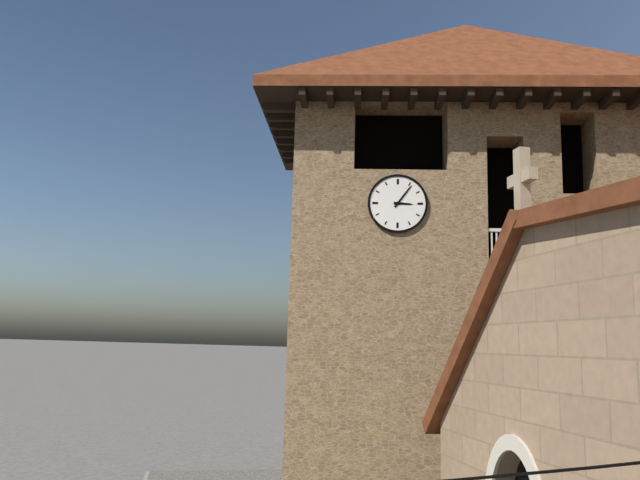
3h06
